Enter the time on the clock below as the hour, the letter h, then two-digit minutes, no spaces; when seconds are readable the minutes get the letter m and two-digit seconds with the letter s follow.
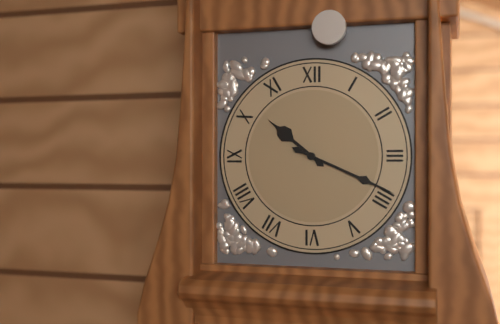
10h19
